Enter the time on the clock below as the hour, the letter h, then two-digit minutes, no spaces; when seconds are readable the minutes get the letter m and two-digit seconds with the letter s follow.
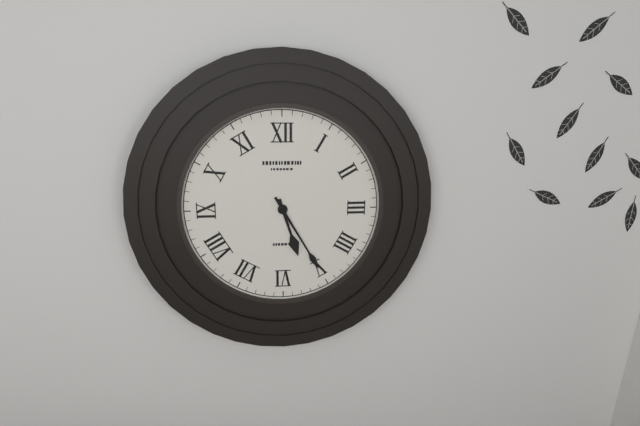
5h25
